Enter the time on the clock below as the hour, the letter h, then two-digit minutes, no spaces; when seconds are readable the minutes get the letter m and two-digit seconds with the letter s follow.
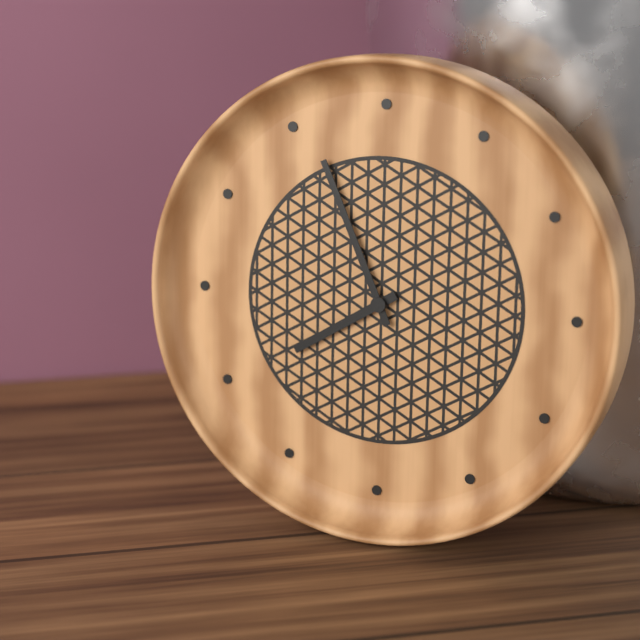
7h56
